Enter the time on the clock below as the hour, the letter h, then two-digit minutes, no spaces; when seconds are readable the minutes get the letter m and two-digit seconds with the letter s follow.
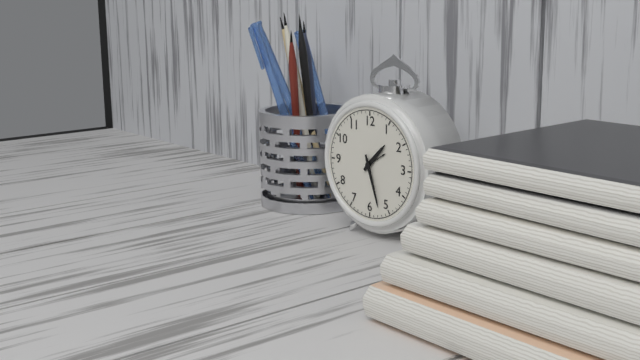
1h27
